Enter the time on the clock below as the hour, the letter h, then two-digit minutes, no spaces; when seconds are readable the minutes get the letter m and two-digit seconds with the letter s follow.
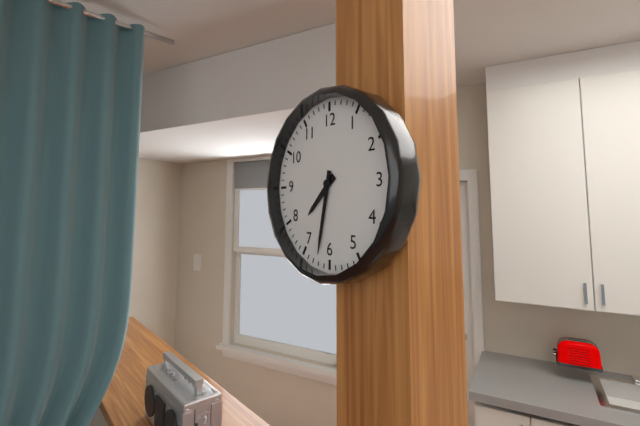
7h32
